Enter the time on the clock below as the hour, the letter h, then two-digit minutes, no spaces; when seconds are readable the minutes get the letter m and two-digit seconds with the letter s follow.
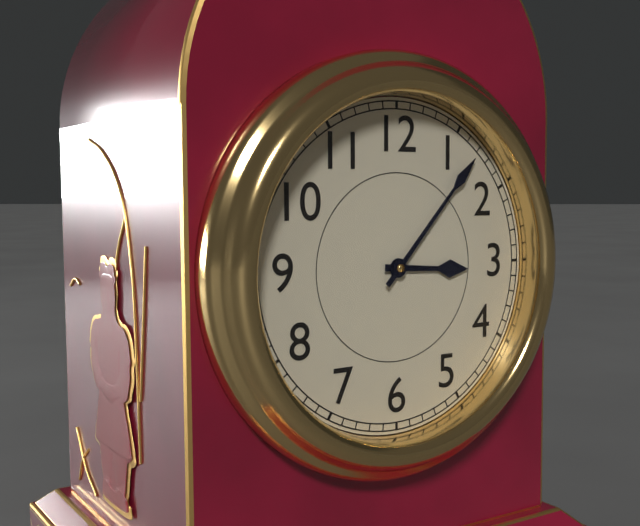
3h07
